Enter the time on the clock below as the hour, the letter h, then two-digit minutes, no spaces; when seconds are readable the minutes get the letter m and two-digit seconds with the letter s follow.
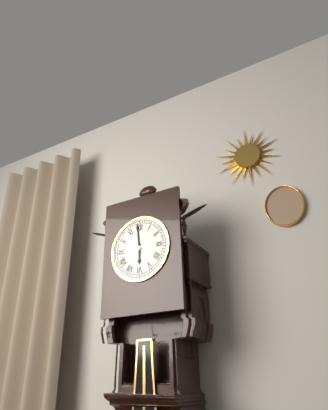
5h59
